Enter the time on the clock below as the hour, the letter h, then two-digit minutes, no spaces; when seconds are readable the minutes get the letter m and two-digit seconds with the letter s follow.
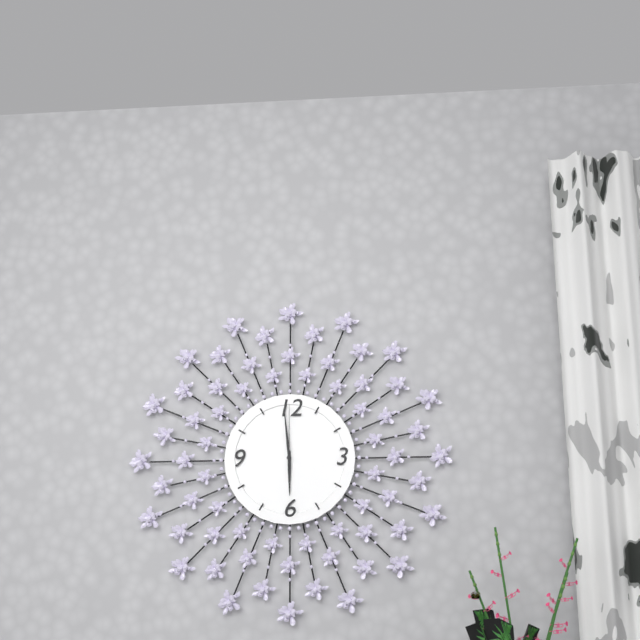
5h59m00s
